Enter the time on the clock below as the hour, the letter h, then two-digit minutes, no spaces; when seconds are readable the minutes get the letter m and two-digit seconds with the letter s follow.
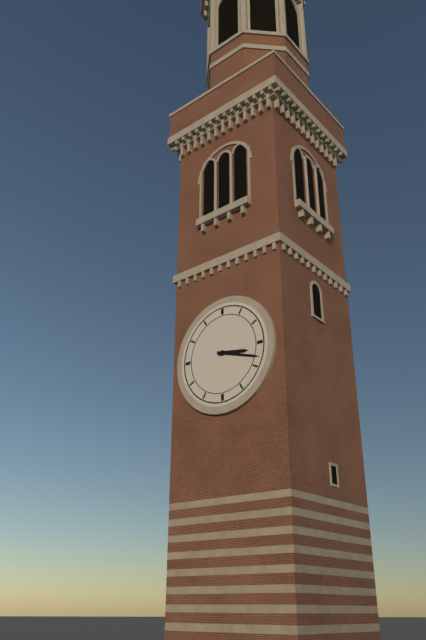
3h18
